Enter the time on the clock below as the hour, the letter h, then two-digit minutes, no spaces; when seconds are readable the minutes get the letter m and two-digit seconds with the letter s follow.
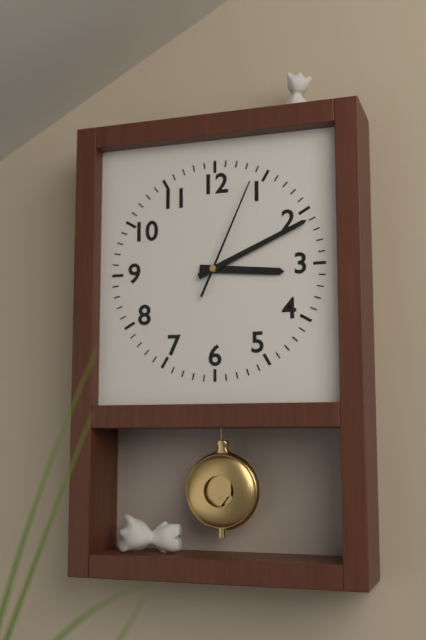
3h11m04s
